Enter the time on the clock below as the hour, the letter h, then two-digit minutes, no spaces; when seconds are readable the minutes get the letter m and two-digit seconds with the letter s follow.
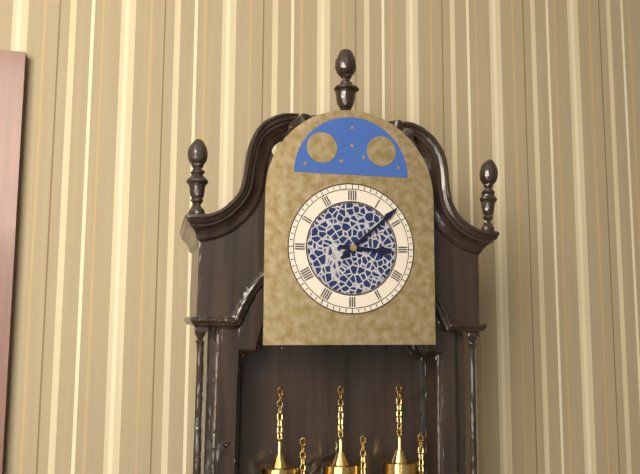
3h08
